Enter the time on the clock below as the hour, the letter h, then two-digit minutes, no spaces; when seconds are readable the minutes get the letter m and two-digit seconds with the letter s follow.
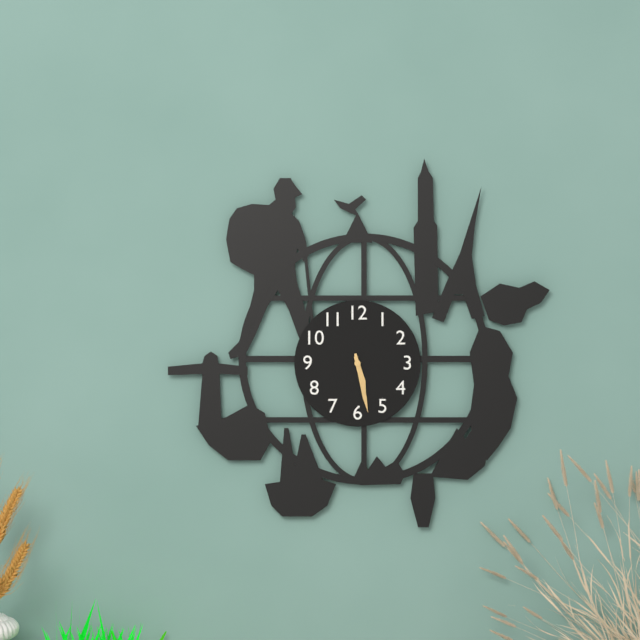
5h28
